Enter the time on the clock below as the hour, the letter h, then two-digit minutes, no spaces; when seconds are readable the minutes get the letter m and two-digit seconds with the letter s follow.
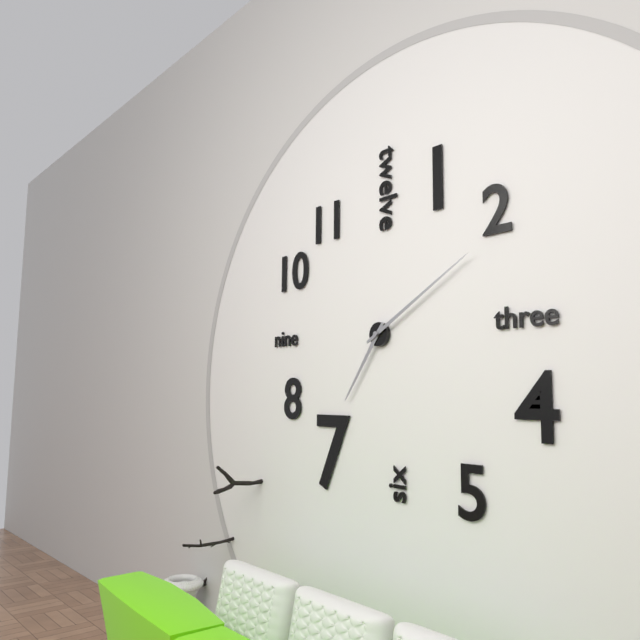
7h10
